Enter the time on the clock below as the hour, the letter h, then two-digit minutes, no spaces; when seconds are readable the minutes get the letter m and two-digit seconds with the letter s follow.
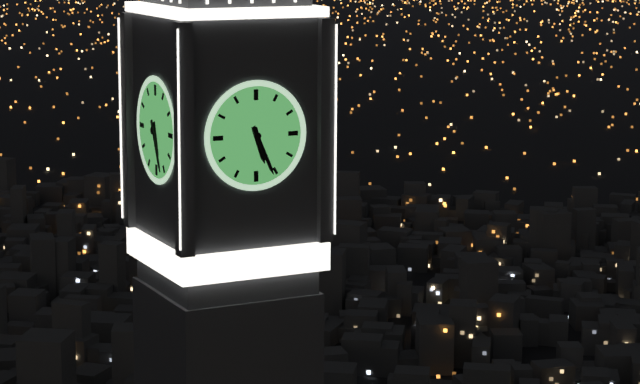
5h26
